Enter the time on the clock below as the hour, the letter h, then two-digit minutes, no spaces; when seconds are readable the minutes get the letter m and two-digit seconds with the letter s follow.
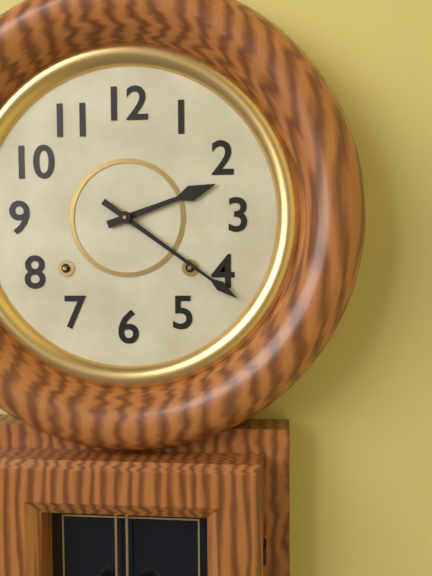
2h21
